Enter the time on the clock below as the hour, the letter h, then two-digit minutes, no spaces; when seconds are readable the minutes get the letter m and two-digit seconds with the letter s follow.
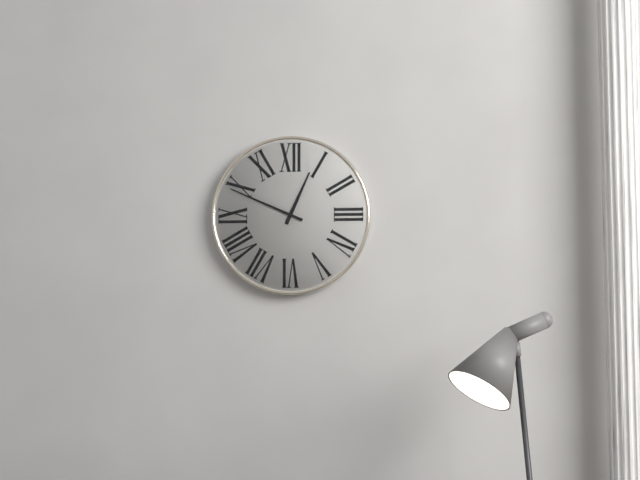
12h49
